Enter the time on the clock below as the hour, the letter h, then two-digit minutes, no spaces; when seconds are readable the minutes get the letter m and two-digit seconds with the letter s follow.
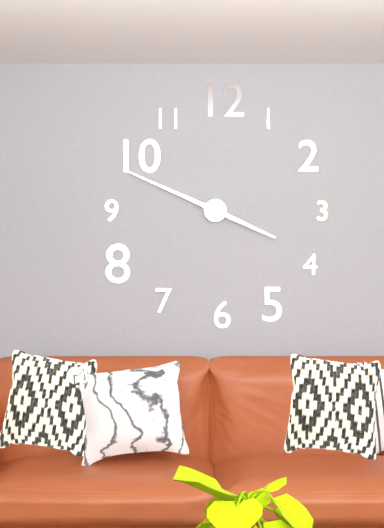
3h49
